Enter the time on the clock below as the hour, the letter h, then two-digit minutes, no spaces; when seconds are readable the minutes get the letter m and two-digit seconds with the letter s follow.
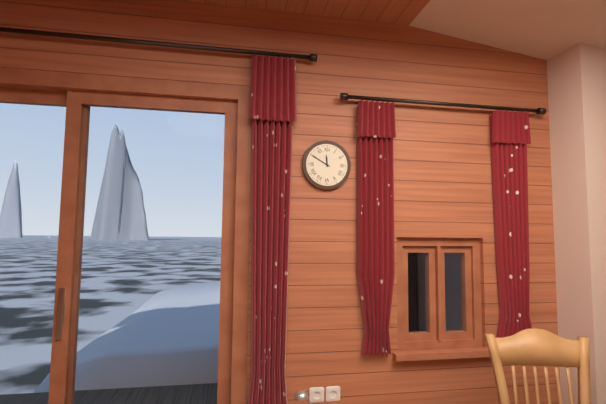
11h50
